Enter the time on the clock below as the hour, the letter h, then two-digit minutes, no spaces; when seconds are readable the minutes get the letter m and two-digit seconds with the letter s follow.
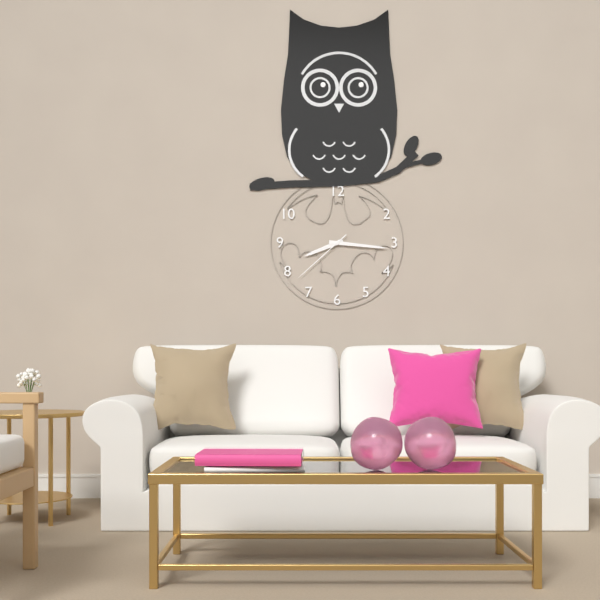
8h16m38s
